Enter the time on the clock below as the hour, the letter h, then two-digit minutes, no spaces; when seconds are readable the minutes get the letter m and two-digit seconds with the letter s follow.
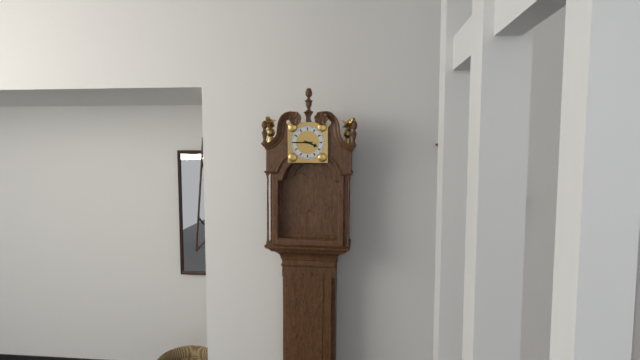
3h45
